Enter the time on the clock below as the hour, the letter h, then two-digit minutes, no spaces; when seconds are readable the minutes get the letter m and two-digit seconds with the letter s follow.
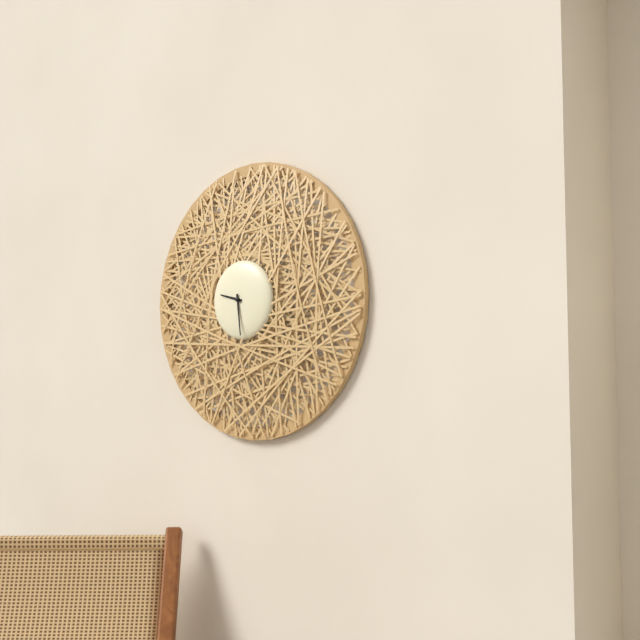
9h29
